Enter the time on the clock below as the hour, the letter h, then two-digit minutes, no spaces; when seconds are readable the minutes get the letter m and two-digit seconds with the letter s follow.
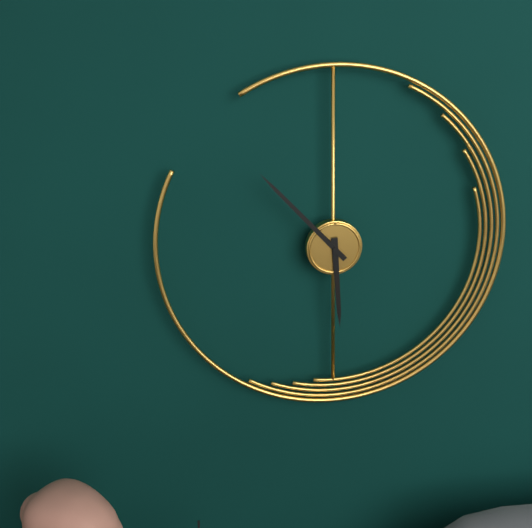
5h53
